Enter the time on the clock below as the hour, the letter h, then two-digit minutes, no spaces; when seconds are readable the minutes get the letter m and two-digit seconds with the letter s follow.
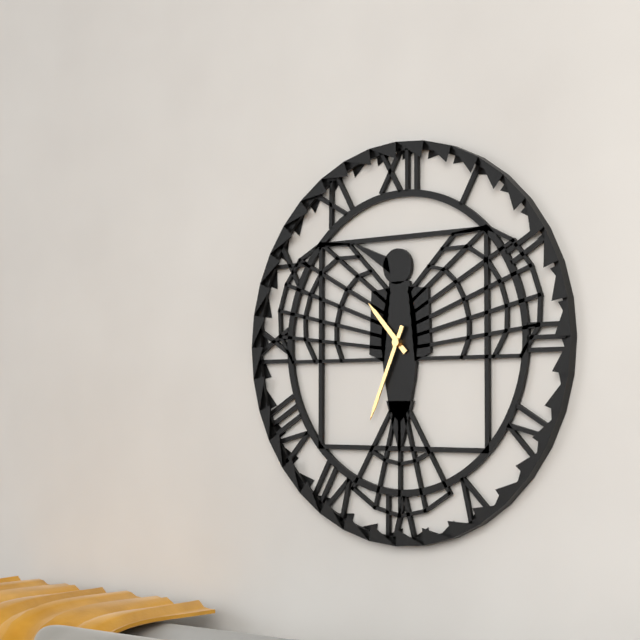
10h34
